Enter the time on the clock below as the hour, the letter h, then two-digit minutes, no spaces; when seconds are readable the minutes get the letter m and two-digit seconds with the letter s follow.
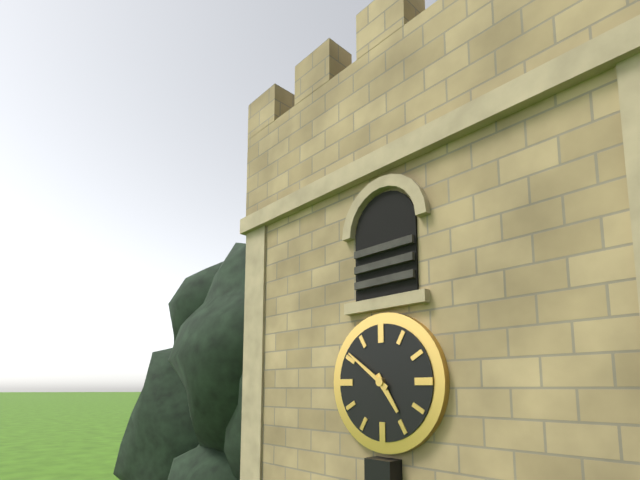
4h51
